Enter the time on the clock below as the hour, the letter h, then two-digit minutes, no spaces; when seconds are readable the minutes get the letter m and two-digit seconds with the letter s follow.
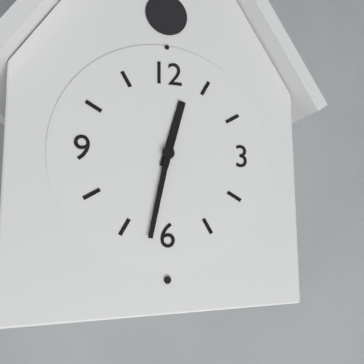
12h32
